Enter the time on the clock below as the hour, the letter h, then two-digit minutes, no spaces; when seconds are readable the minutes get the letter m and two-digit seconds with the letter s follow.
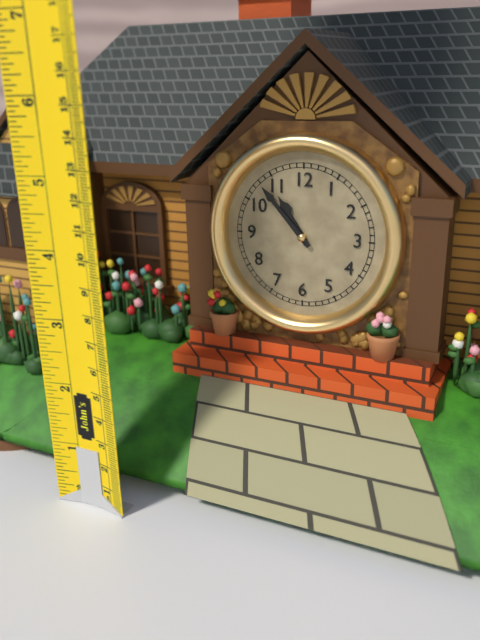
10h53
